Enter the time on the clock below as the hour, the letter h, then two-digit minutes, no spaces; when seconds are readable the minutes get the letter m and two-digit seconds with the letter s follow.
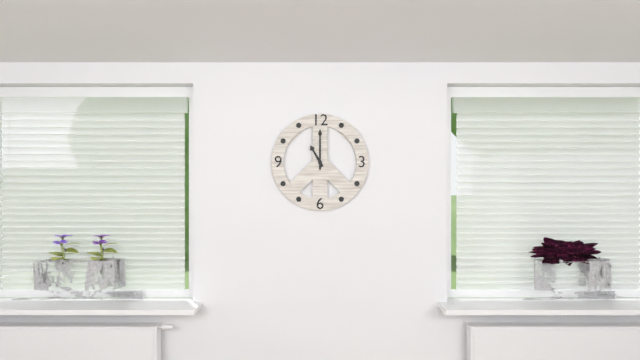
11h00
